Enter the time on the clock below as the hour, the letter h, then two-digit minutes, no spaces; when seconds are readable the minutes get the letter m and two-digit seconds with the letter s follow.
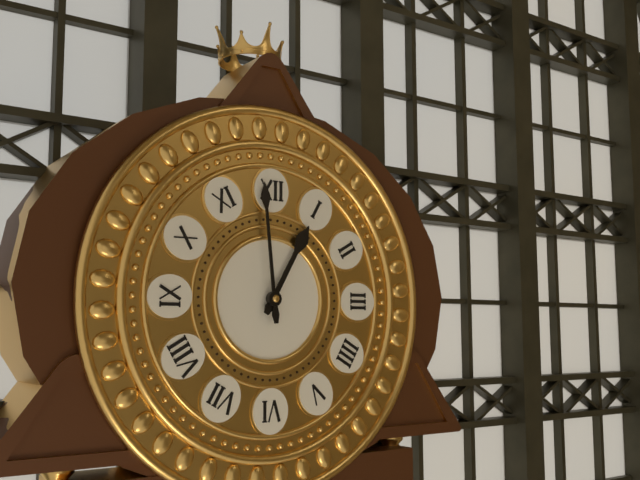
12h59
